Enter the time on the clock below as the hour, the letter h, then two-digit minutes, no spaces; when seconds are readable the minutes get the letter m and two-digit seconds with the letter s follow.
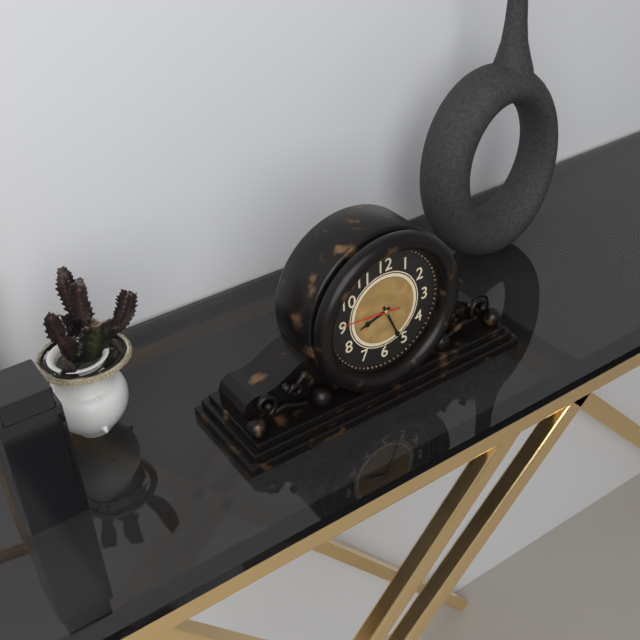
8h26m46s
